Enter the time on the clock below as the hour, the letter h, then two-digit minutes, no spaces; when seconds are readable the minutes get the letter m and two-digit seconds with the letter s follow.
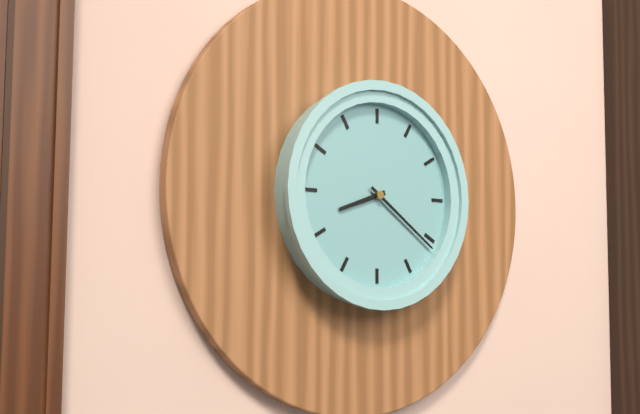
8h21
